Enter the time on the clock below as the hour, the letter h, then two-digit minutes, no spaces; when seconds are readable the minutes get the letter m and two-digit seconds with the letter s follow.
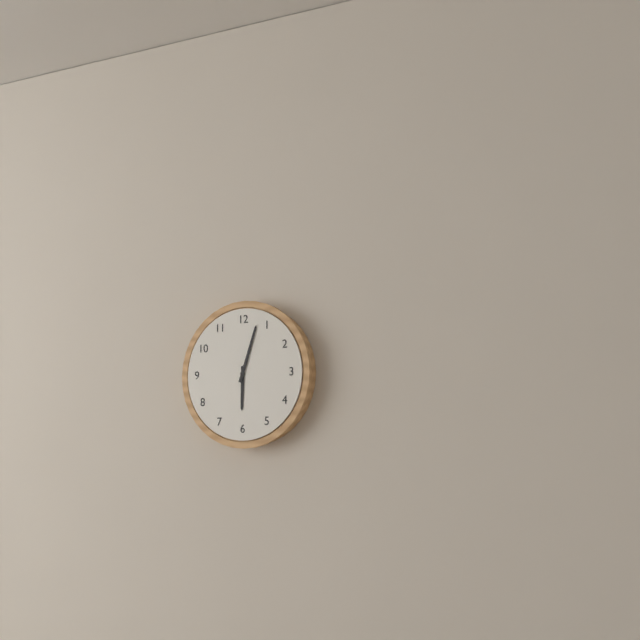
6h03
